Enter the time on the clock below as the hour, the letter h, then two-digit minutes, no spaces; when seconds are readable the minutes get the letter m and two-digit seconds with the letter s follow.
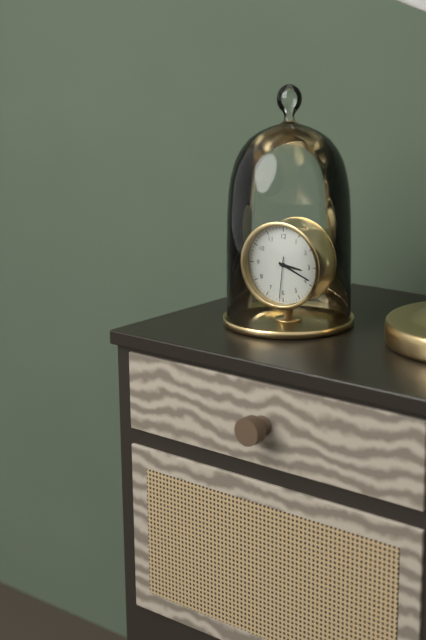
3h19
